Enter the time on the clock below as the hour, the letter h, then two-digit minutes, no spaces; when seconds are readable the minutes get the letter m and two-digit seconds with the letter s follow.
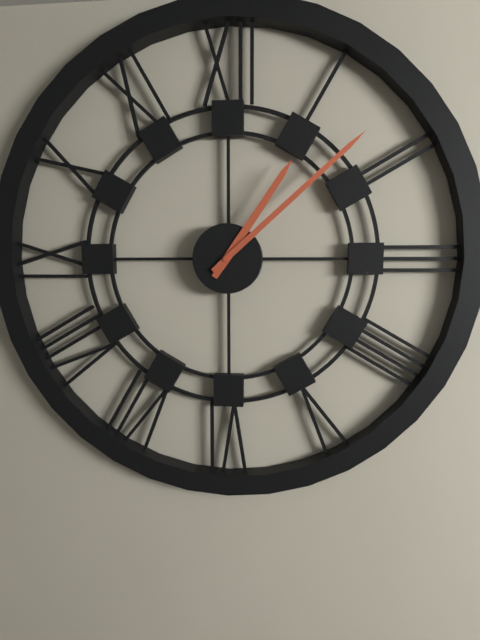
1h08
